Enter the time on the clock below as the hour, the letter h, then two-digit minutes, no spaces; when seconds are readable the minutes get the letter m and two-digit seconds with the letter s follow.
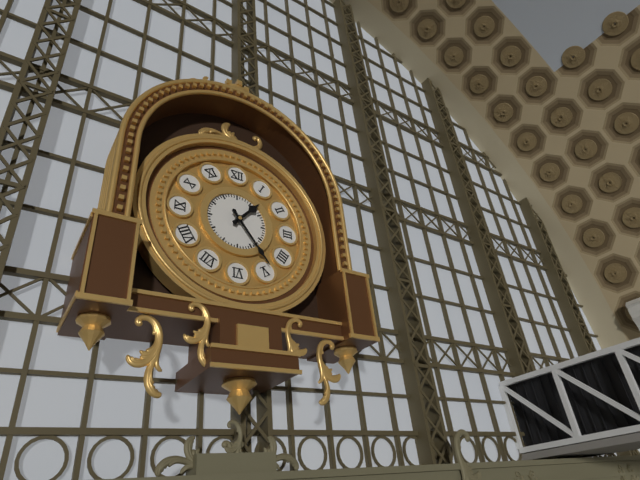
1h24
